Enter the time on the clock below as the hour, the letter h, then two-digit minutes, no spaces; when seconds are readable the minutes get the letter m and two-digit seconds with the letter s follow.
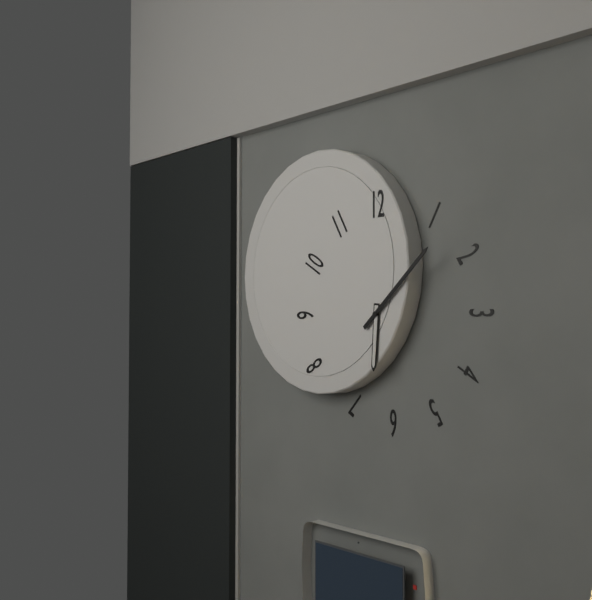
6h08
